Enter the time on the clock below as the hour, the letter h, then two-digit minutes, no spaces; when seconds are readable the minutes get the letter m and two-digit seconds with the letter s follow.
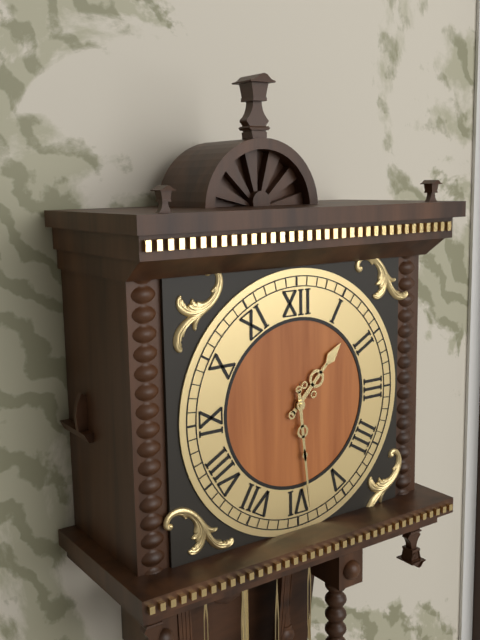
1h29
